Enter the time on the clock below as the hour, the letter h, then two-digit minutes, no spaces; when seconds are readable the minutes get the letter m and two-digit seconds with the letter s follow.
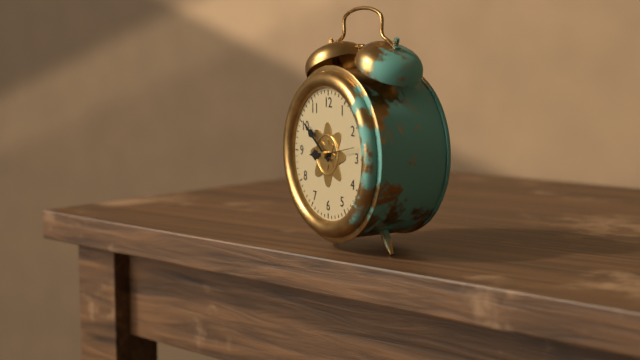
8h51
